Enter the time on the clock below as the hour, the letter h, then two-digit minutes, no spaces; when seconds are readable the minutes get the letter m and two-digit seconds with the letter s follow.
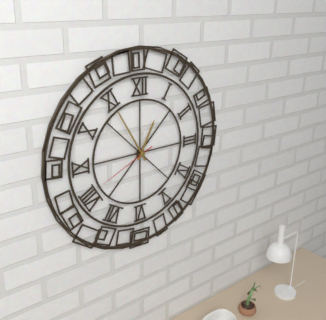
12h55m41s
